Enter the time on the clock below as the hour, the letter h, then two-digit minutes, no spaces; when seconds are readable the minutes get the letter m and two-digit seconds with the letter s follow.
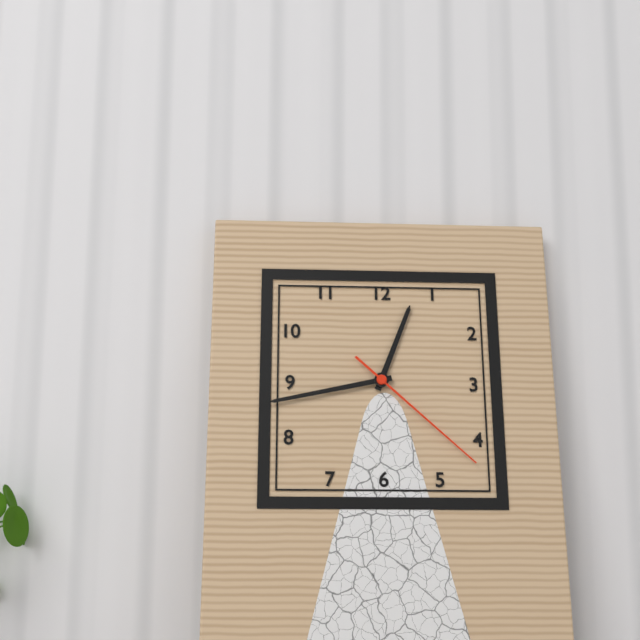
12h43m22s
